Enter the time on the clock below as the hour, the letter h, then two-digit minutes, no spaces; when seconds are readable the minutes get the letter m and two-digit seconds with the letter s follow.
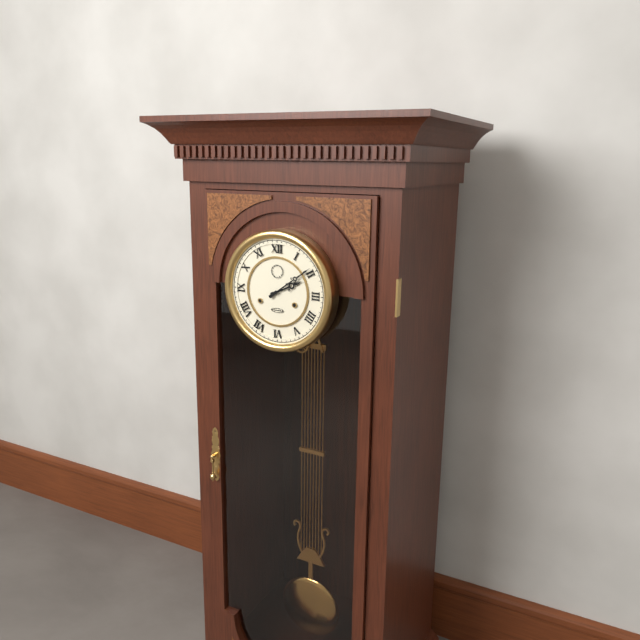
2h09
